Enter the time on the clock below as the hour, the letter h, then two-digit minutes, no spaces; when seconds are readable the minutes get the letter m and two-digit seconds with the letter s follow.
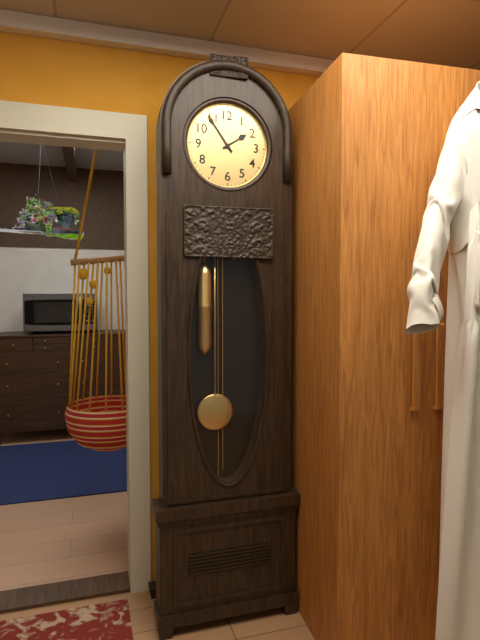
1h54
